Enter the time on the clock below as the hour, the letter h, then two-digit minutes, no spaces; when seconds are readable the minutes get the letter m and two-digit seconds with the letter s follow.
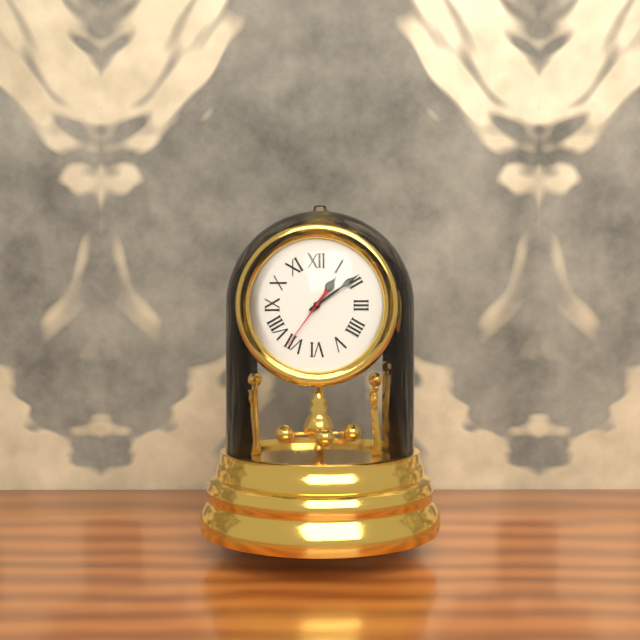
1h09m36s
